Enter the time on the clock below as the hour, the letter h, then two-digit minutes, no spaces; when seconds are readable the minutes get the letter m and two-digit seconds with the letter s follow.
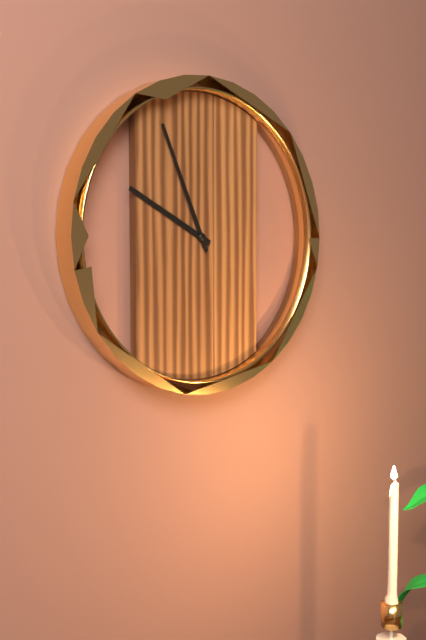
9h56
